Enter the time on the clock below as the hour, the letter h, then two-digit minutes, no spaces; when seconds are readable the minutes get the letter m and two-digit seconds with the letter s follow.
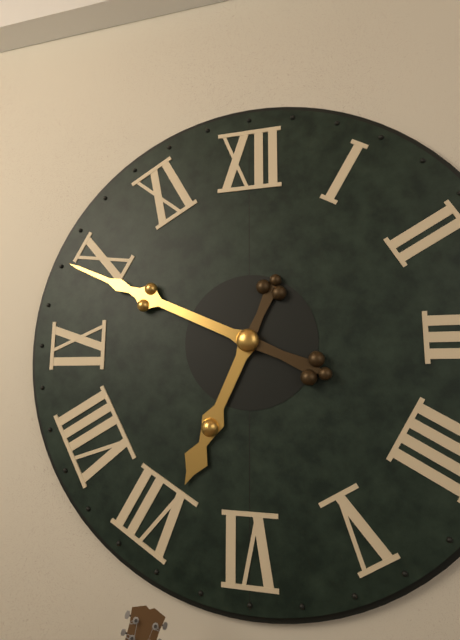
6h49
